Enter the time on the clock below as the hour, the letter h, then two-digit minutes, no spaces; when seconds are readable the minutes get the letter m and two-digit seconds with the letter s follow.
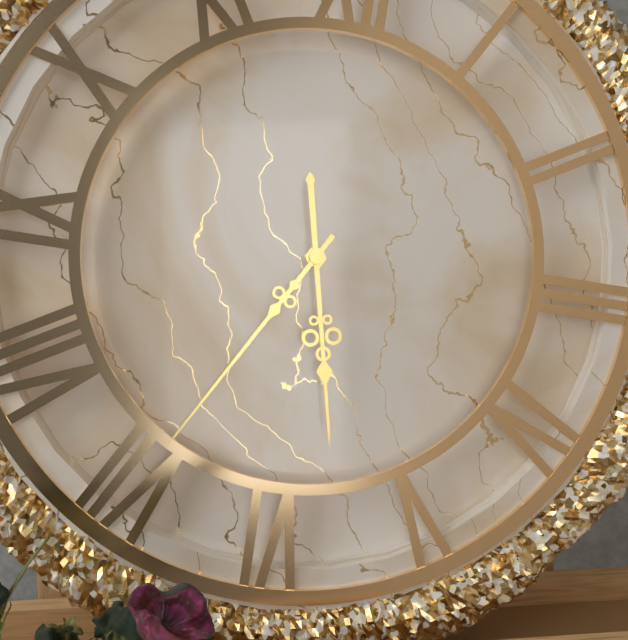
5h35
